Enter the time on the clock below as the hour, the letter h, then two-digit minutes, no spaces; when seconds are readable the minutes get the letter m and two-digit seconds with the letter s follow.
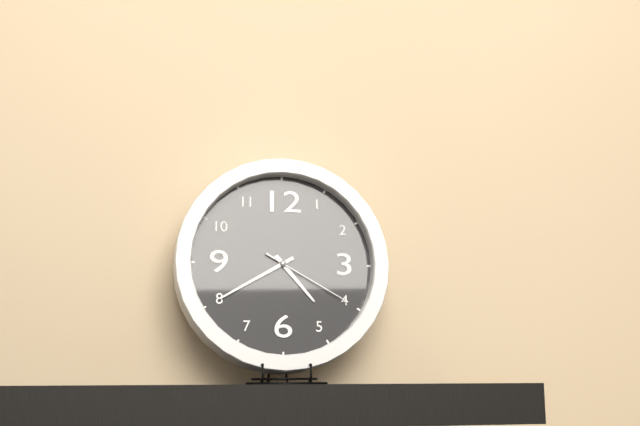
4h40m20s
